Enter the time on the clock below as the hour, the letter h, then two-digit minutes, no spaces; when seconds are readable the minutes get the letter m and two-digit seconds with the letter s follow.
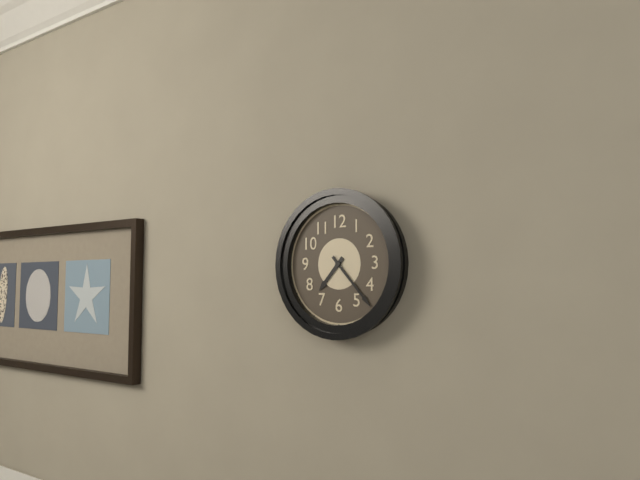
7h23
